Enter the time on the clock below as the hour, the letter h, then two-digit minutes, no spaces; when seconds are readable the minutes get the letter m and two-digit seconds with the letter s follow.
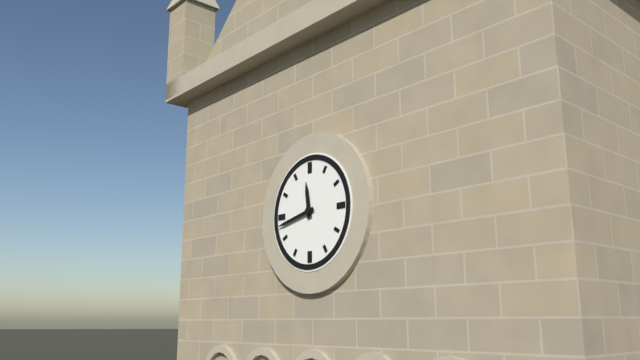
11h43
